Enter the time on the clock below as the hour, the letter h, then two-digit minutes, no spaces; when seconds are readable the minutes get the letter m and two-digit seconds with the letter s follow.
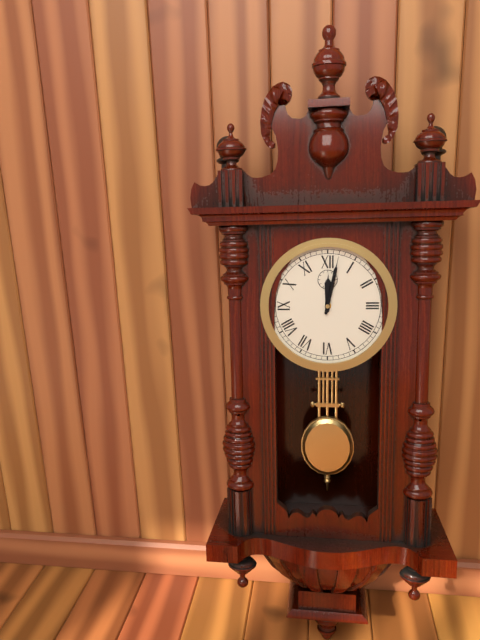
12h02
